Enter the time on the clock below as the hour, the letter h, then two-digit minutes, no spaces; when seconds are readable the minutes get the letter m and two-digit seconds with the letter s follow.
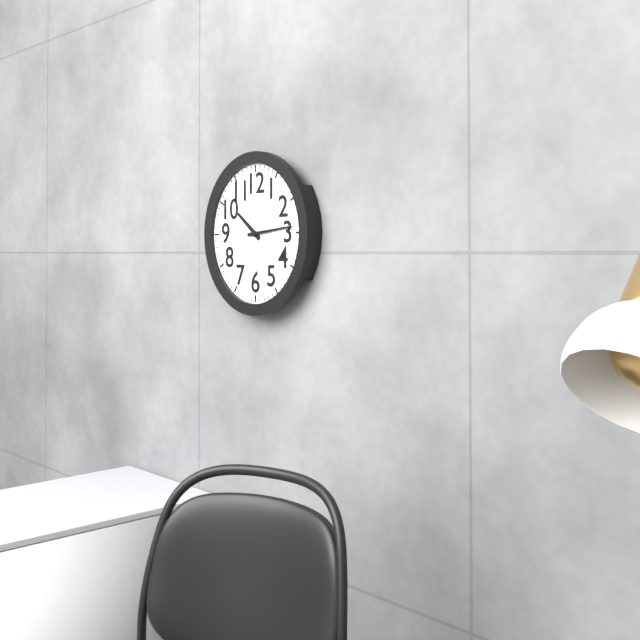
10h14
